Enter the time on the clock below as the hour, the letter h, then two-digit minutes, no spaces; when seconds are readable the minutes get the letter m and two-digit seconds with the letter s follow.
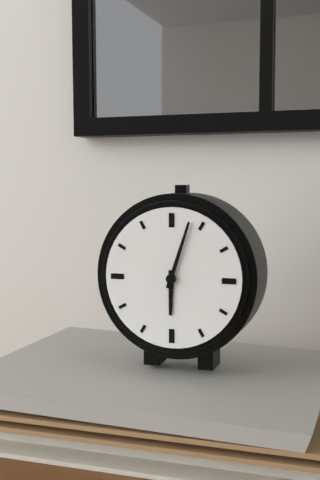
6h03
